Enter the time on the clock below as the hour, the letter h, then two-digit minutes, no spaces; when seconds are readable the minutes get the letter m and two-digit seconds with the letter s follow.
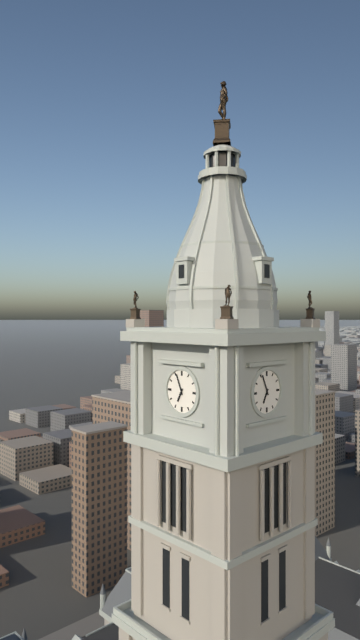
6h56
